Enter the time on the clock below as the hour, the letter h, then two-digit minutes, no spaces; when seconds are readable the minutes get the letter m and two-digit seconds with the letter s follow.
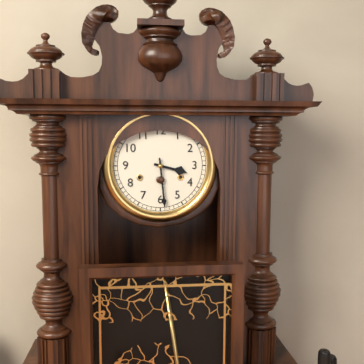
3h29
